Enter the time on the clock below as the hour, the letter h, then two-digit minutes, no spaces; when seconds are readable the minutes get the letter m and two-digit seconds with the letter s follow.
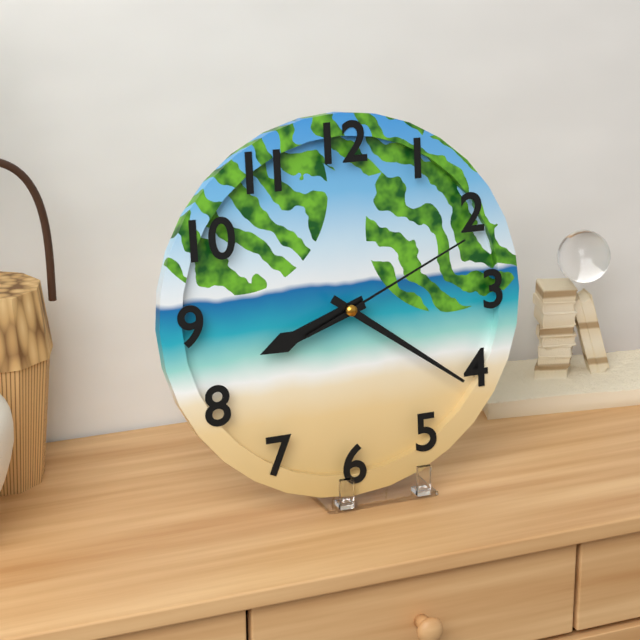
8h21m11s
